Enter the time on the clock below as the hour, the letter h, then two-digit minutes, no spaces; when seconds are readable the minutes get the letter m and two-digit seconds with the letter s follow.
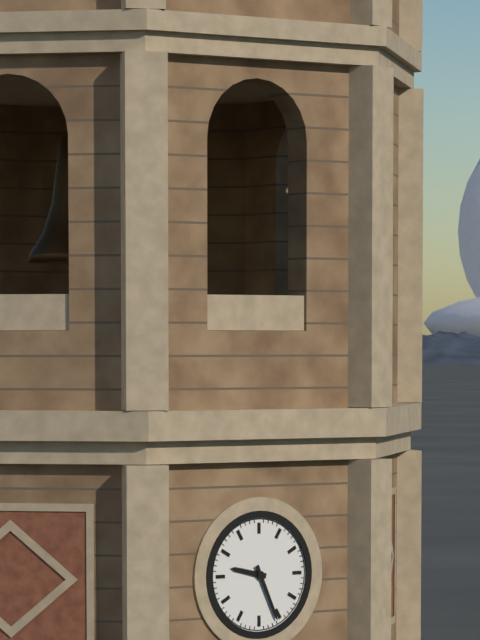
9h26
